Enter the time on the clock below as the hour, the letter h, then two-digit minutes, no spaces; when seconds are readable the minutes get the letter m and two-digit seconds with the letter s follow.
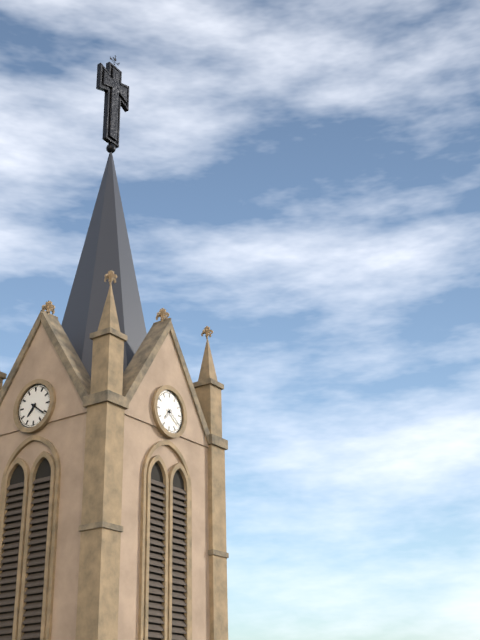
7h21
